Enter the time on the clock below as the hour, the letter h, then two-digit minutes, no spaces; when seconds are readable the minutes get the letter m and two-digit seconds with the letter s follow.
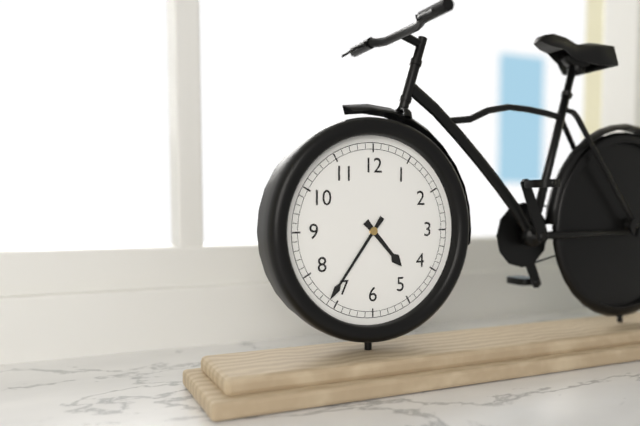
4h36
